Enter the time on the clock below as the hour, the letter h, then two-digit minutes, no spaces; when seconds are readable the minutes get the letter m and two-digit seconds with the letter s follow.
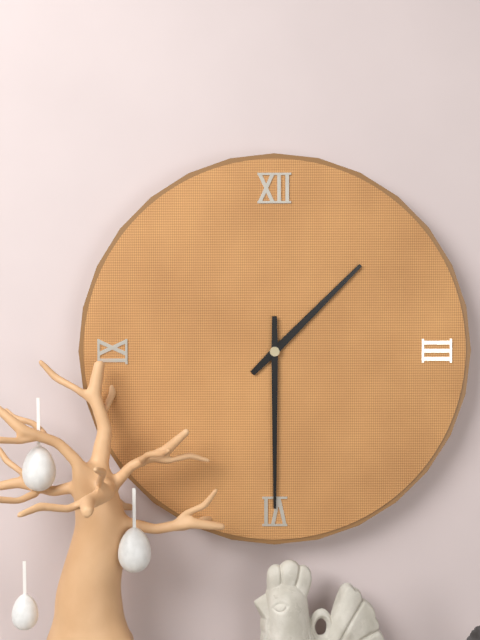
1h30
